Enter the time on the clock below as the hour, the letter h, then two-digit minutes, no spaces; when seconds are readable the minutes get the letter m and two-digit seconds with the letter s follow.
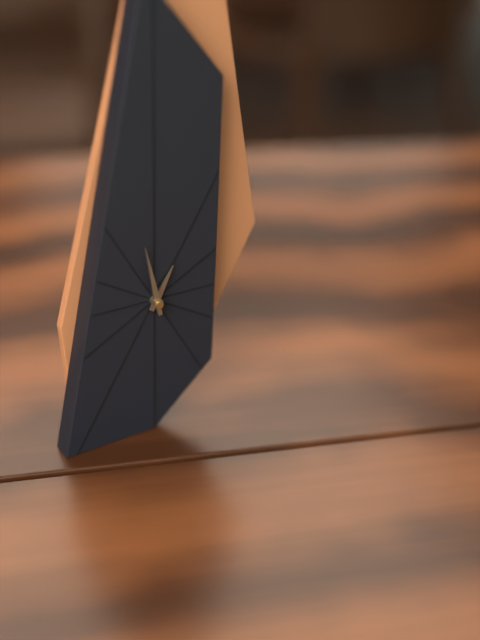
12h58
